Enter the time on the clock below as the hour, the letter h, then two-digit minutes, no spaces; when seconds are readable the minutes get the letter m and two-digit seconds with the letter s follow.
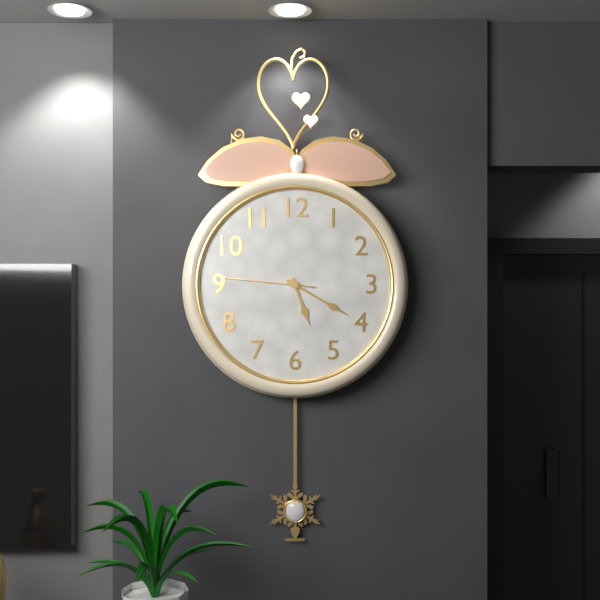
5h20m46s
